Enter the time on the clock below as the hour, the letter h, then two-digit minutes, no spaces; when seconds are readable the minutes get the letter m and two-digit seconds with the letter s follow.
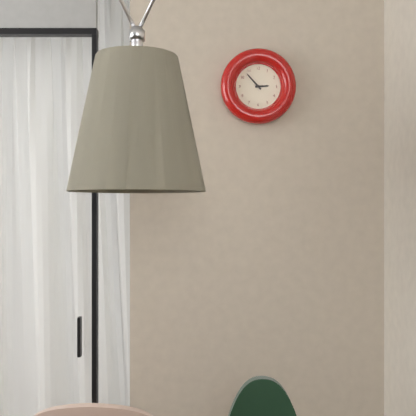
2h53
